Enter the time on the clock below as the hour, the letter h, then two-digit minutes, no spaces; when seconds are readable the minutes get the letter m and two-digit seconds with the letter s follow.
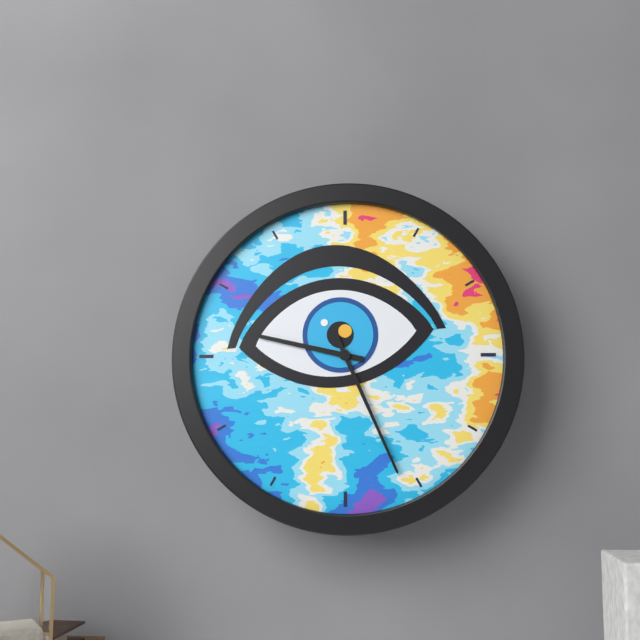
9h26
